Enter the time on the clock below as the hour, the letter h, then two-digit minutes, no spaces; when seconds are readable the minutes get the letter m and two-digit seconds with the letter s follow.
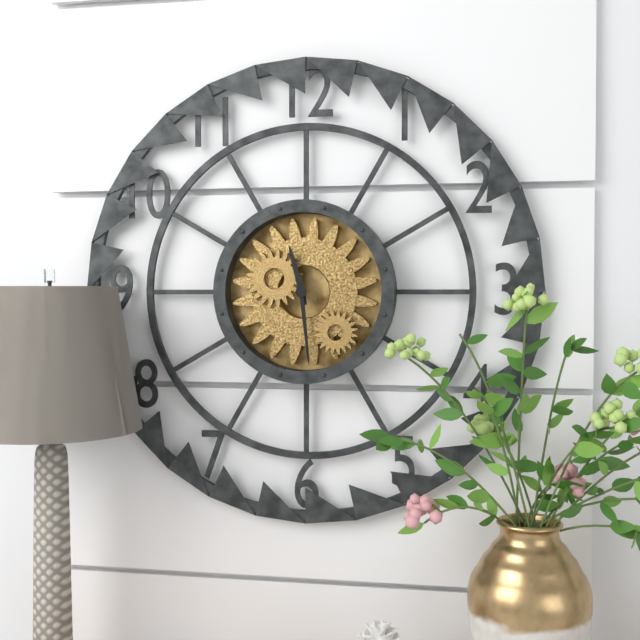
11h29
